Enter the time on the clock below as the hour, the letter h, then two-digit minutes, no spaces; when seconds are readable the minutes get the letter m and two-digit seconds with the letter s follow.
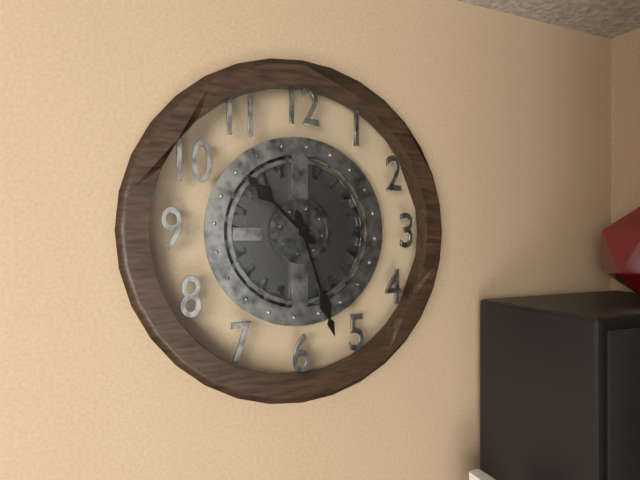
10h27
